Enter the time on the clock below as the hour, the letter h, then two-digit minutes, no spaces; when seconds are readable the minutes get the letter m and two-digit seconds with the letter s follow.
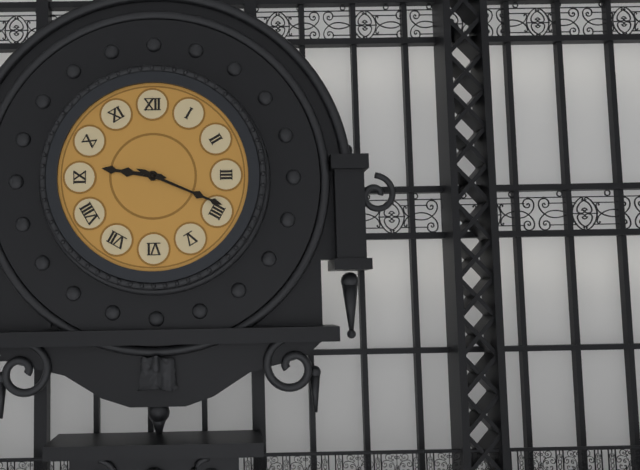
9h19
